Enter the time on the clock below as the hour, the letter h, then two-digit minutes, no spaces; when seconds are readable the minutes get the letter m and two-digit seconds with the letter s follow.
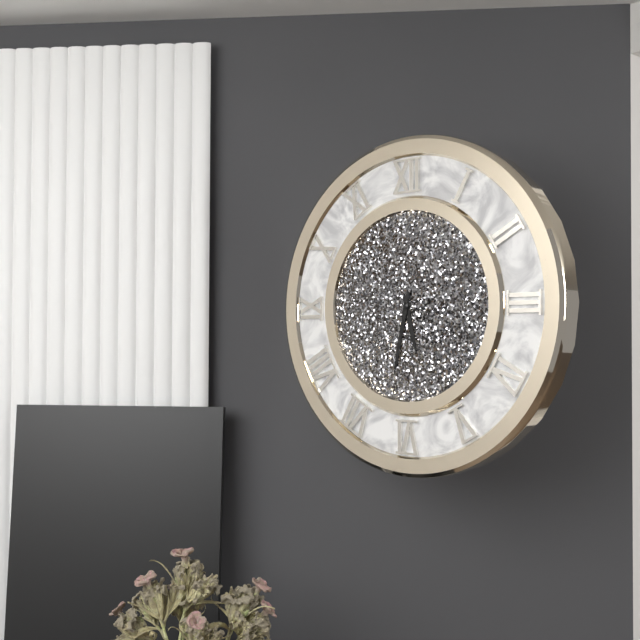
5h32
